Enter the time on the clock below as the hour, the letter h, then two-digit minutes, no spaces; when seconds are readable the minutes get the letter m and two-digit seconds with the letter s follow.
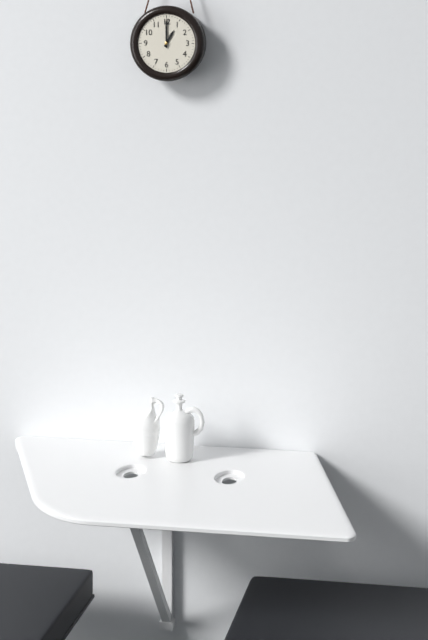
1h00
